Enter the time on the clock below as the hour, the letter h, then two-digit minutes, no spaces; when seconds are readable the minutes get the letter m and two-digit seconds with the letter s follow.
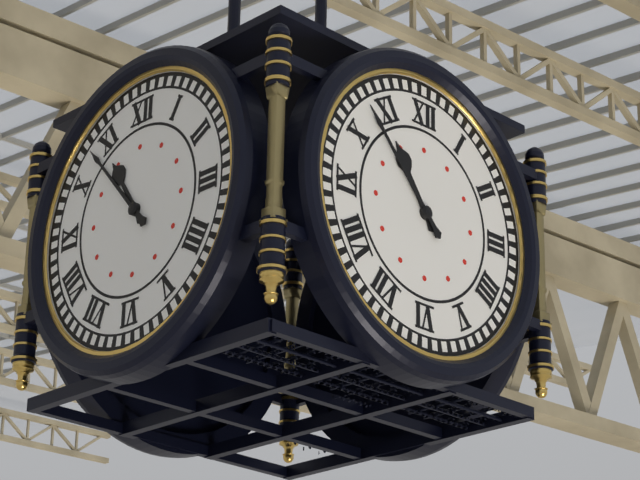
10h53
